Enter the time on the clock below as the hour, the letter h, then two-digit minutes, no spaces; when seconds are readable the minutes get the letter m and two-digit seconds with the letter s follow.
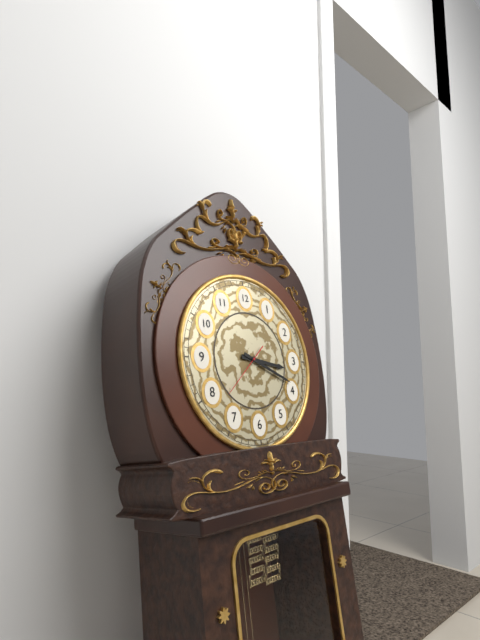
3h19
